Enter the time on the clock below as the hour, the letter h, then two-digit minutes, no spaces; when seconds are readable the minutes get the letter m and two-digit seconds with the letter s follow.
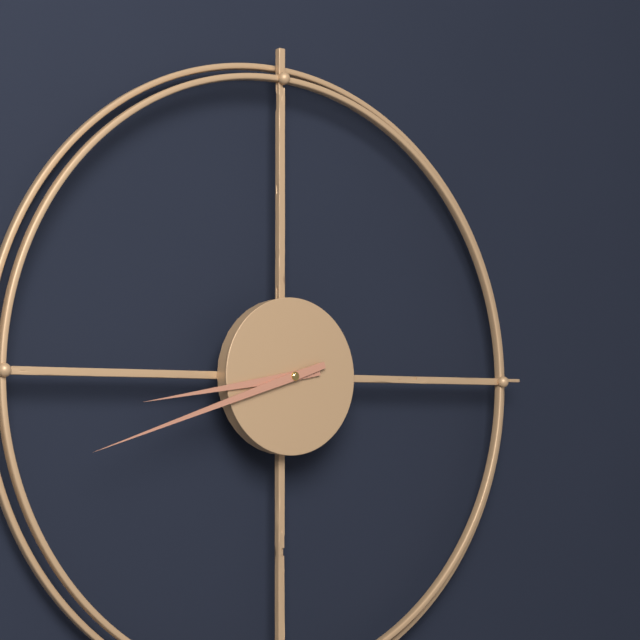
8h42
